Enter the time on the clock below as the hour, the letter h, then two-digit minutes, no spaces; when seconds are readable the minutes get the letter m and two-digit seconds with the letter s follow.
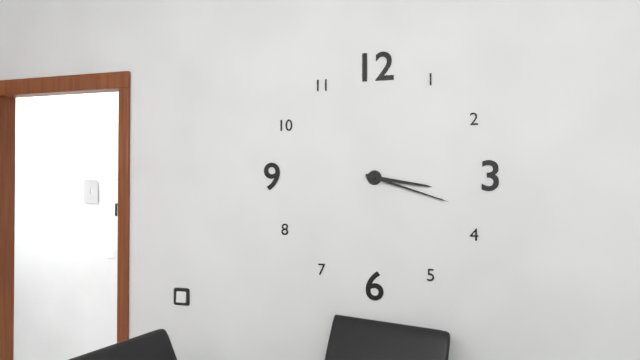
3h18
